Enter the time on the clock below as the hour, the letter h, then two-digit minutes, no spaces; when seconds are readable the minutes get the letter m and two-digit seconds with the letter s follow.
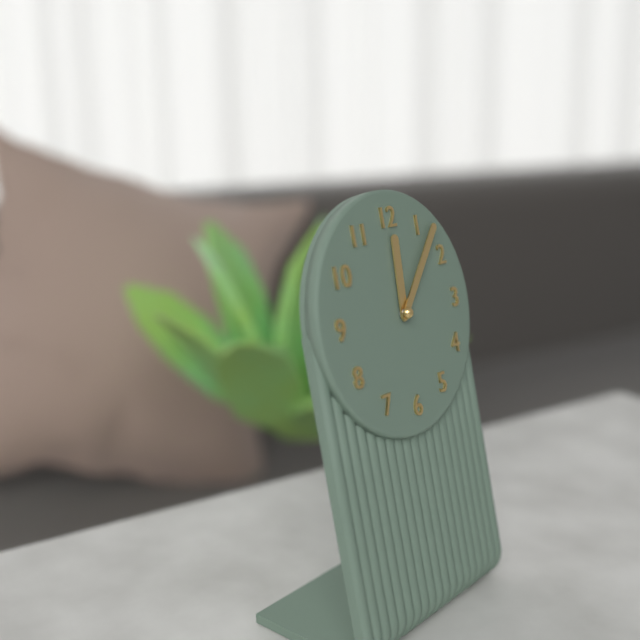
12h07
